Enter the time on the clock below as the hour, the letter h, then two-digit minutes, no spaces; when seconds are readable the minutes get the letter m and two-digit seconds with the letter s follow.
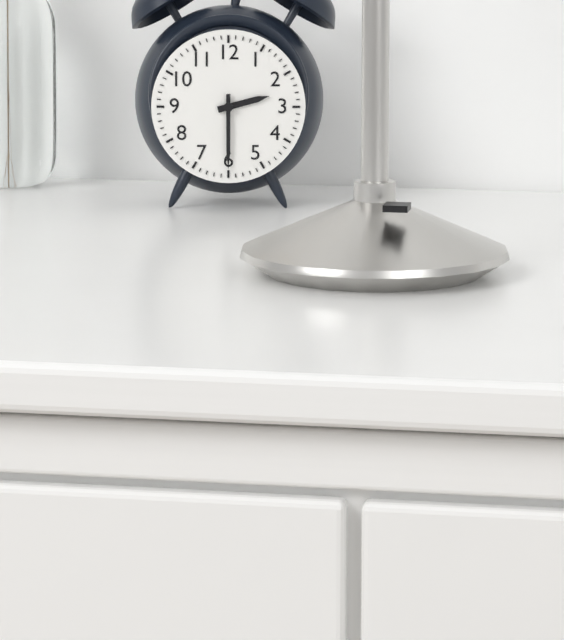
2h30
